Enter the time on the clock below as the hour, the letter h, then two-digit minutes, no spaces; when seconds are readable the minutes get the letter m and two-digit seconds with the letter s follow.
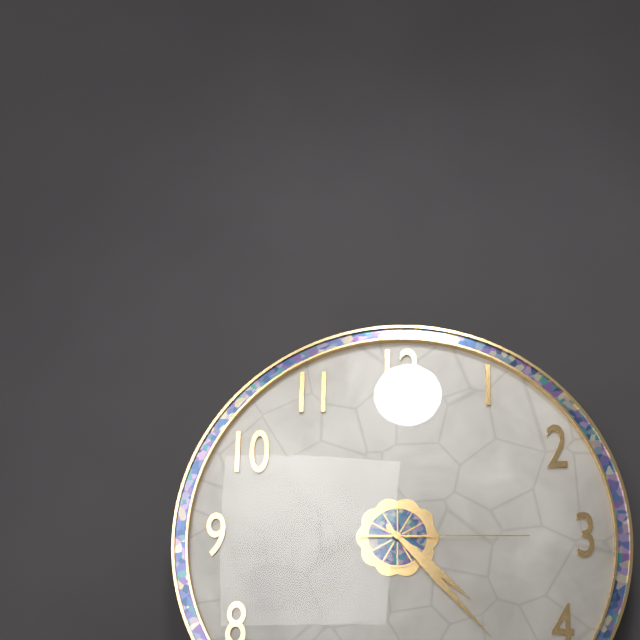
4h23m15s
